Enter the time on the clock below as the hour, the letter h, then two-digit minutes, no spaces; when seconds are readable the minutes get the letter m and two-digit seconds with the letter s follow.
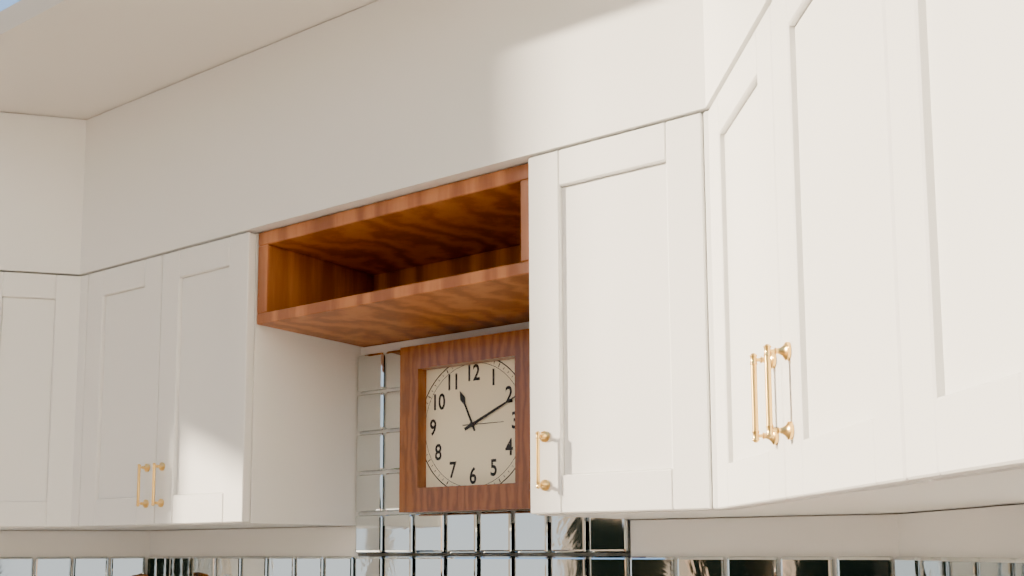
11h11
